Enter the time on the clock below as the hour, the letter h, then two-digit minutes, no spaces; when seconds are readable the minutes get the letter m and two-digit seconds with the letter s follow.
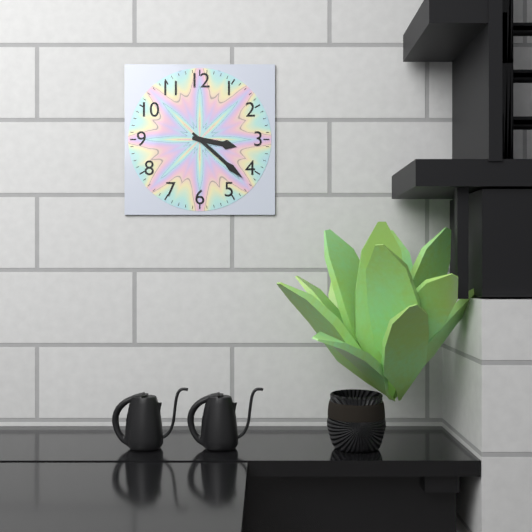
3h22
